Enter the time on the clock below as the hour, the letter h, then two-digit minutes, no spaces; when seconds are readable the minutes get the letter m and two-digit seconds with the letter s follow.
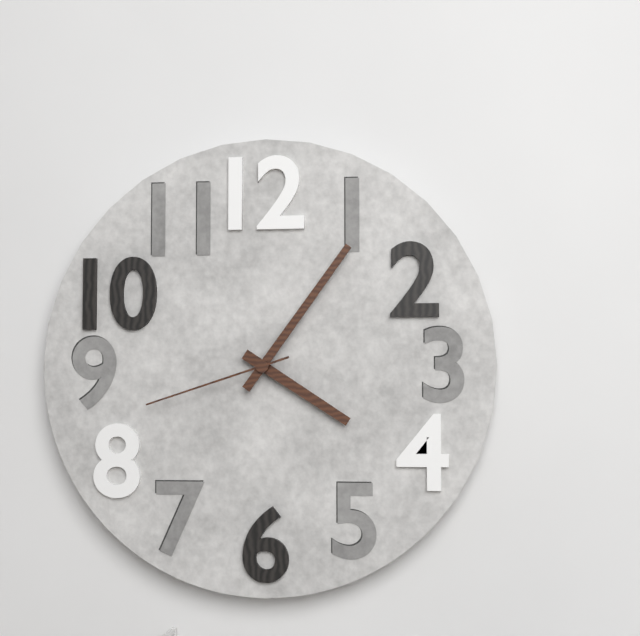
4h06m42s
